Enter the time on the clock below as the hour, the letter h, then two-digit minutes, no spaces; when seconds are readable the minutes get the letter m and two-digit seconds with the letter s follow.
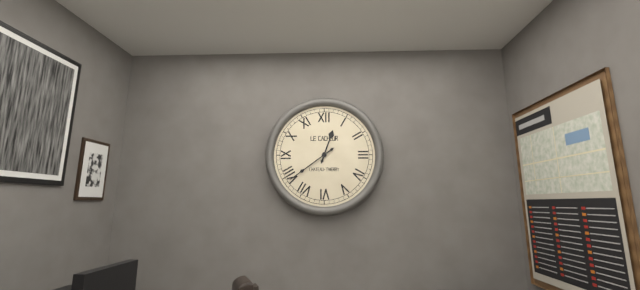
12h39
